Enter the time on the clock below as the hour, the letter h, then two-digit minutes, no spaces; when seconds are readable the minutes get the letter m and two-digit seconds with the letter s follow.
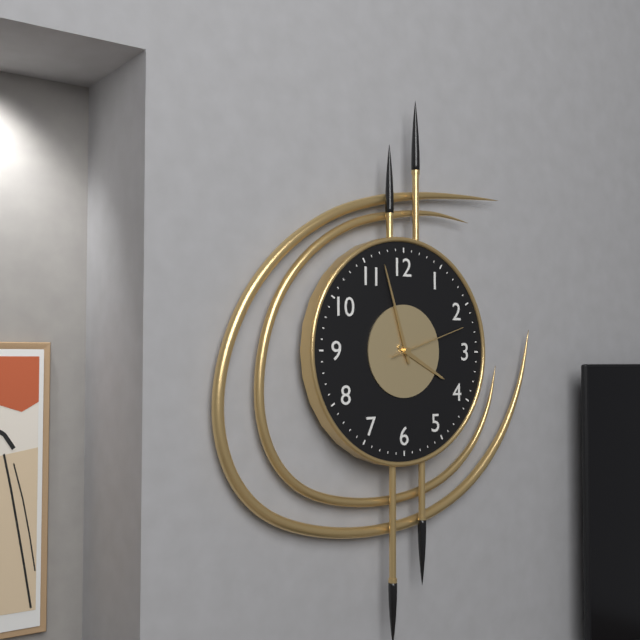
3h57m12s
